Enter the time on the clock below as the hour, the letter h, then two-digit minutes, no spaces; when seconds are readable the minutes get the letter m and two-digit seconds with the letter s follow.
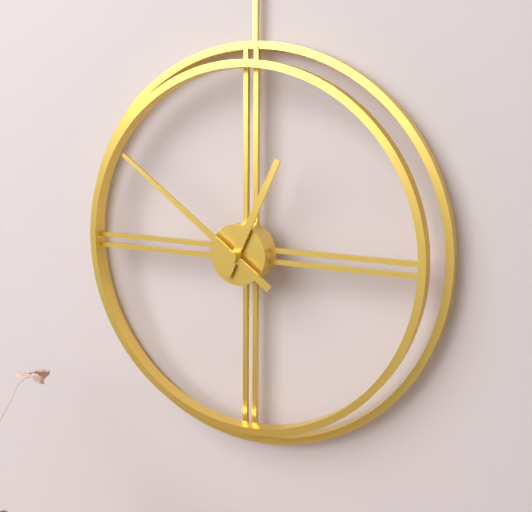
12h51
